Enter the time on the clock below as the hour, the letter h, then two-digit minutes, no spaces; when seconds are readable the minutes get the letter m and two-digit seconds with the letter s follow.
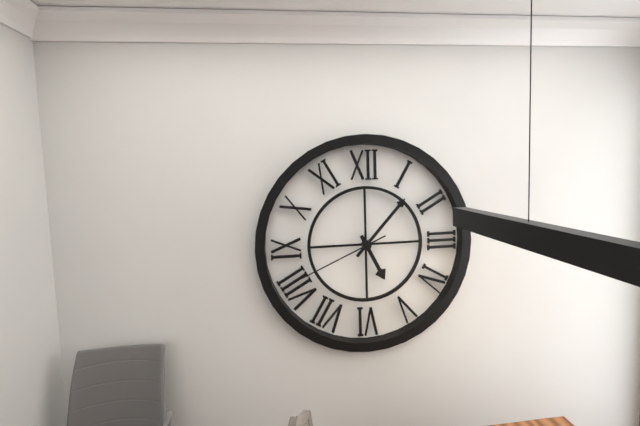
5h07m41s
